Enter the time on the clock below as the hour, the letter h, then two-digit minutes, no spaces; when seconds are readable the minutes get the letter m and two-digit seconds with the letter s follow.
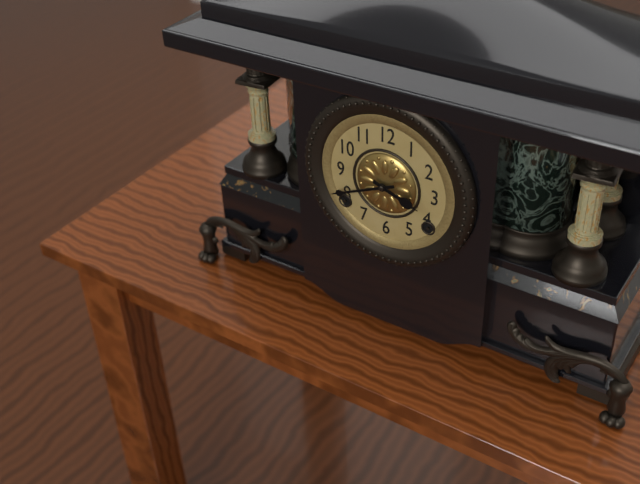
3h41
